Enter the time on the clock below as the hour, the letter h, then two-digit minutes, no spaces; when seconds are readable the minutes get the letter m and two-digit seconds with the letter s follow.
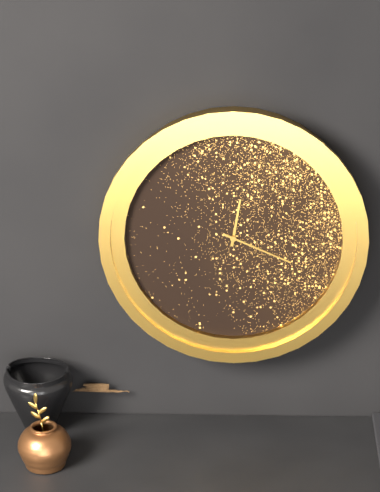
12h19
